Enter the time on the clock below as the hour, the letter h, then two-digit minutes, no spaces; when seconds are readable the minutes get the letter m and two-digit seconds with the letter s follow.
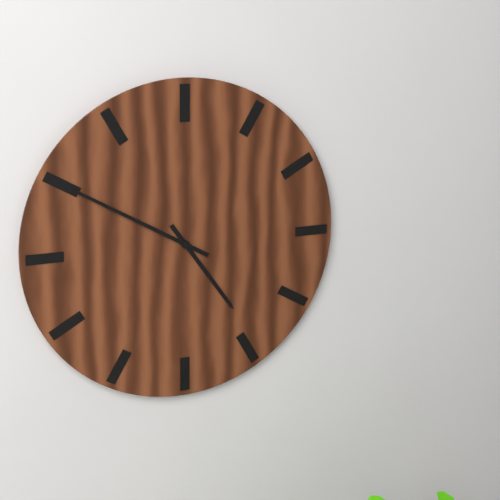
4h50
